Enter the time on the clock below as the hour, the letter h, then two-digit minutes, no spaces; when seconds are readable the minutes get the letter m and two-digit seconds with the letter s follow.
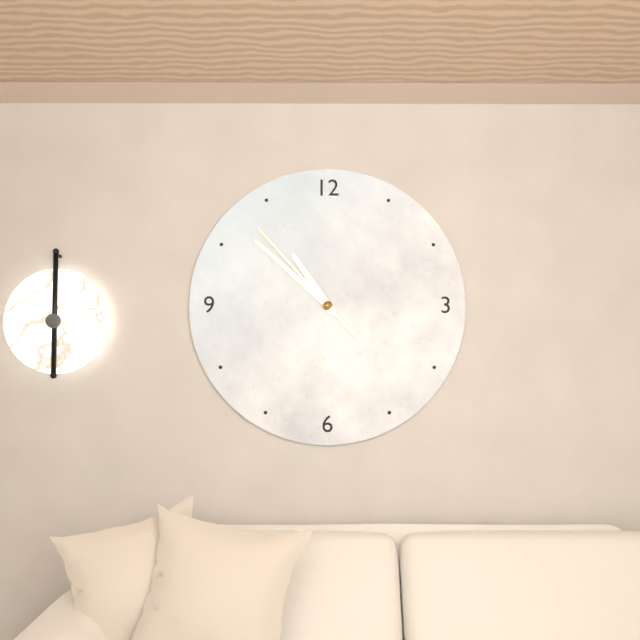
10h52m53s
